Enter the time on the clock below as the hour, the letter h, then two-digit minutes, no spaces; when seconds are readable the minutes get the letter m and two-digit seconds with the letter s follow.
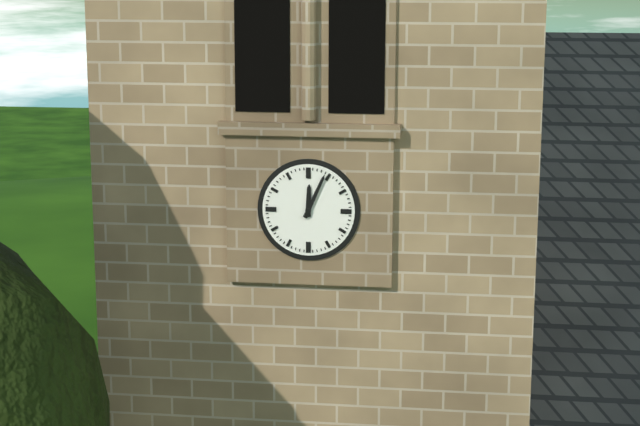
12h04
